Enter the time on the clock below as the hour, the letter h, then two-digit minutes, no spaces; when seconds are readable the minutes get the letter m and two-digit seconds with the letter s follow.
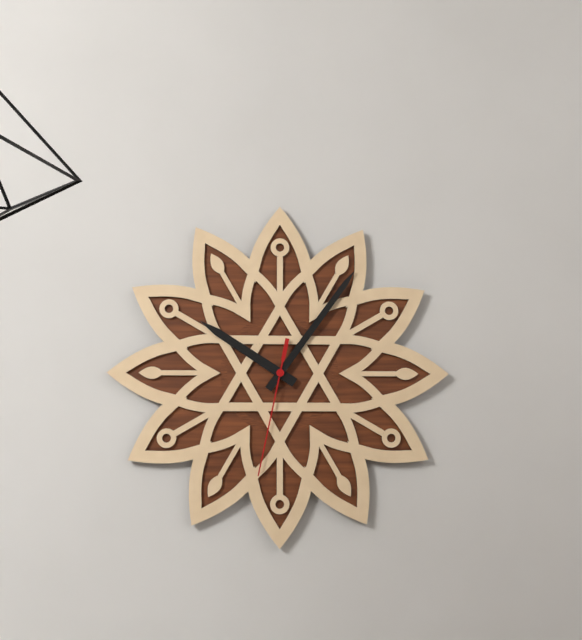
10h06m32s
